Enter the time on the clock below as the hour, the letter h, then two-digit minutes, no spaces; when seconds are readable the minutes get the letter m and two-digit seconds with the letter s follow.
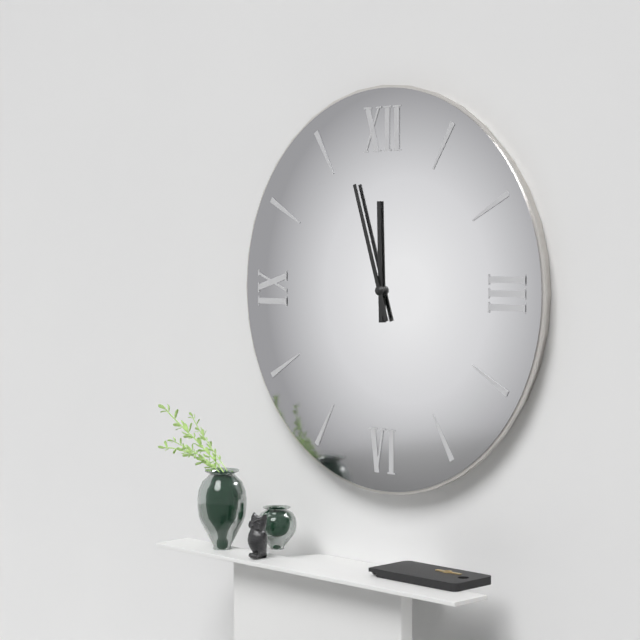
11h57
